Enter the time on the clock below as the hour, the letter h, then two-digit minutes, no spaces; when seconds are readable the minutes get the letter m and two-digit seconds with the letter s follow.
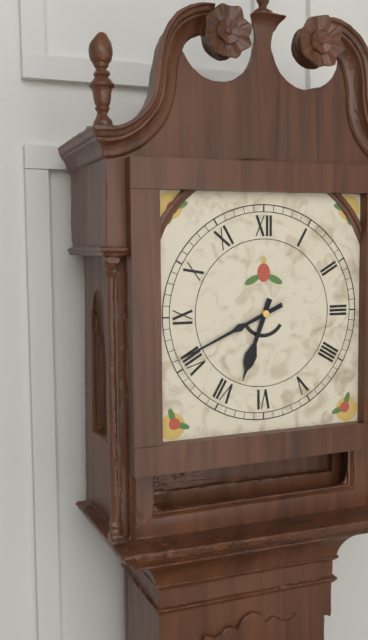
6h41
